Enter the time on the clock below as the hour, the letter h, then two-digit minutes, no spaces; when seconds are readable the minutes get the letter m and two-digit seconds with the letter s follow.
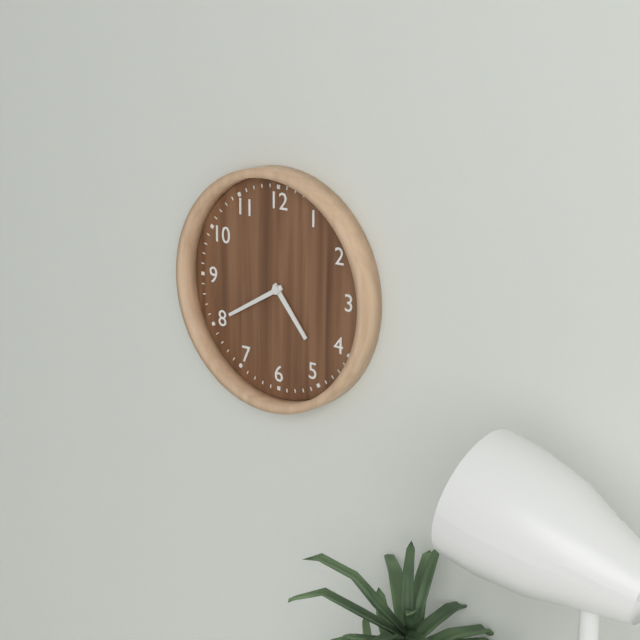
4h40
